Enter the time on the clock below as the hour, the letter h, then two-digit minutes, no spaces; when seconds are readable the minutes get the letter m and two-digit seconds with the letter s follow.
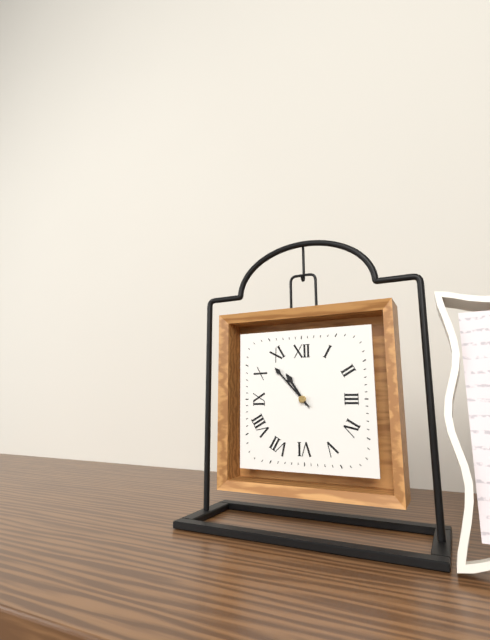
10h53
